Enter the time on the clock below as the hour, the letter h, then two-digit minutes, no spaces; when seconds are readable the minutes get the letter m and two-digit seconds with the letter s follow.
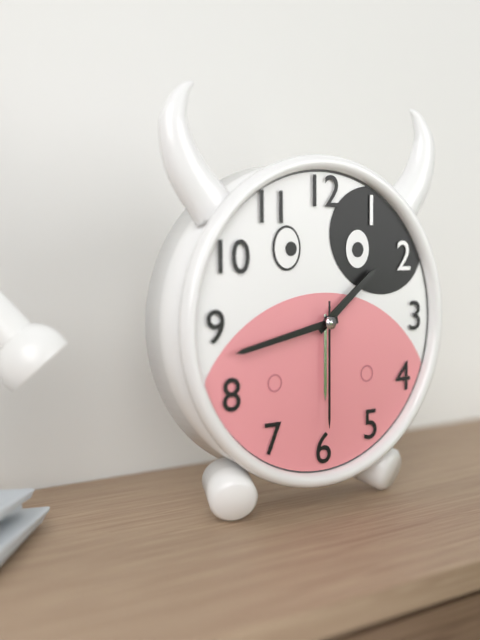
1h43m30s
